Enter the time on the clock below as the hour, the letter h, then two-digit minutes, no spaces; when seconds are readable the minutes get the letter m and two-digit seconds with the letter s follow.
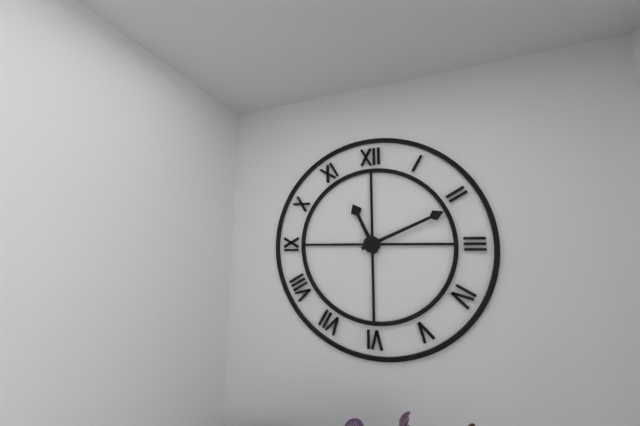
11h11
